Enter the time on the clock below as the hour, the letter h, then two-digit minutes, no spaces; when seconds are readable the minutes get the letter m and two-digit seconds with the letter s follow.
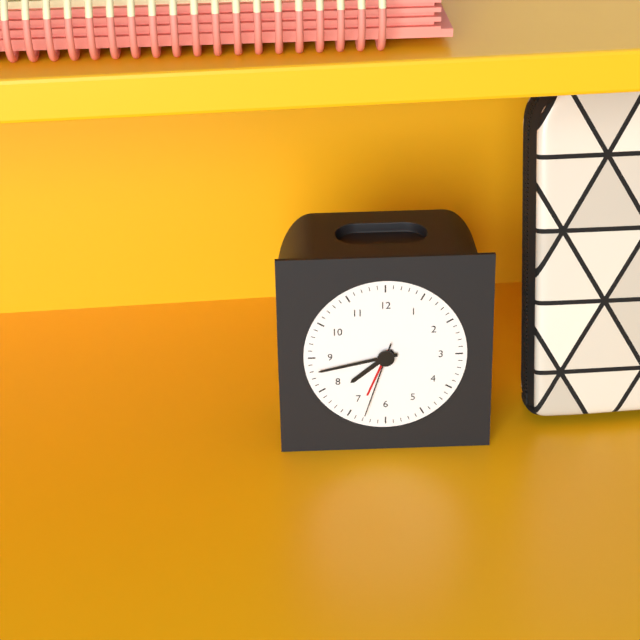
7h43m33s
